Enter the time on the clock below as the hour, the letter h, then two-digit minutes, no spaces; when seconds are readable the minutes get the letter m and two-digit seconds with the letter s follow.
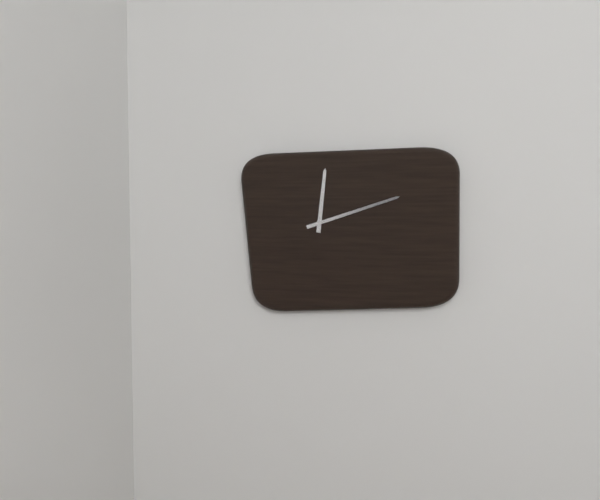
12h12
